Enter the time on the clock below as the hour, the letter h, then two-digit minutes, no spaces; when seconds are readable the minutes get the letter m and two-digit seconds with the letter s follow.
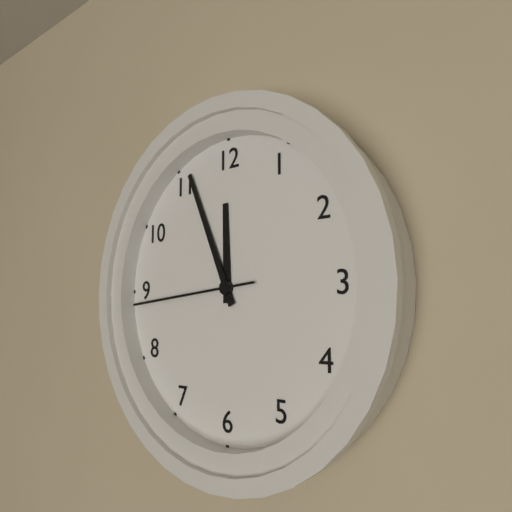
11h56m44s
